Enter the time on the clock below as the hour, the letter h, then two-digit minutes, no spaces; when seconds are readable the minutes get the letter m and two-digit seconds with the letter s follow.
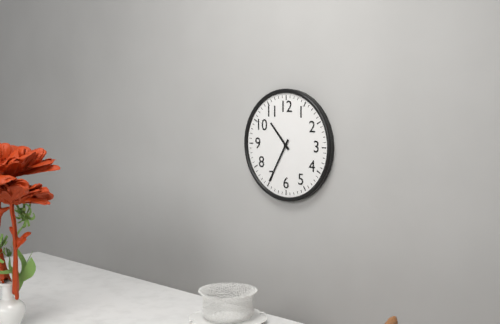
10h35
